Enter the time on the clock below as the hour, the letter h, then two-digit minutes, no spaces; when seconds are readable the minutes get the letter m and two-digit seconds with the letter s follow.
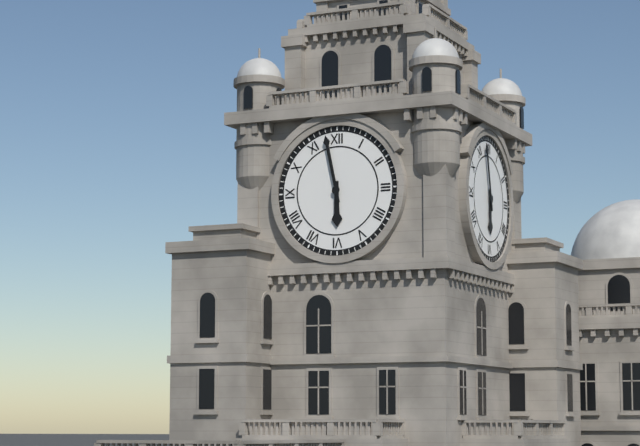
5h58
